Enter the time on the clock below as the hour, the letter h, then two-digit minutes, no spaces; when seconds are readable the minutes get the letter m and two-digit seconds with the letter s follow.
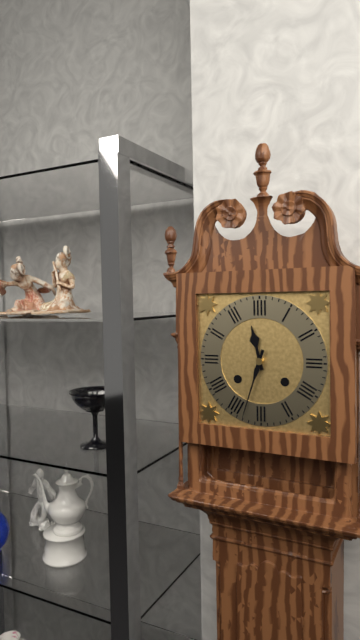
11h33
